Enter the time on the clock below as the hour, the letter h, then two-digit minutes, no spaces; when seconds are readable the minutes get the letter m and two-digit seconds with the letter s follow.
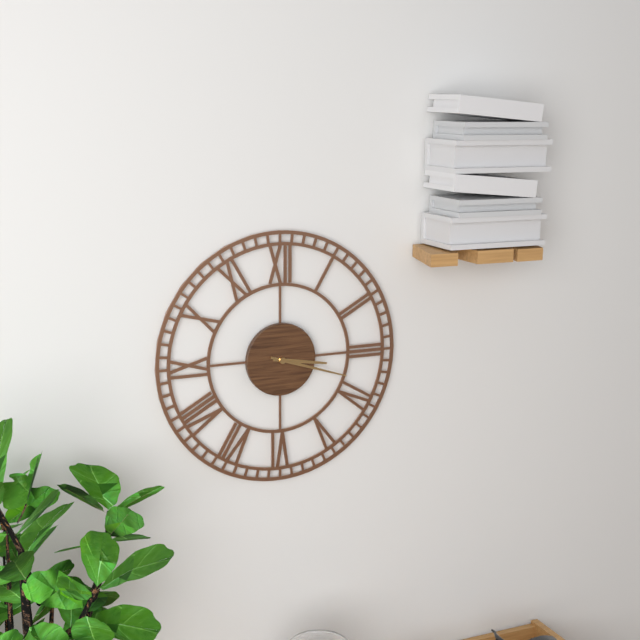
3h18
